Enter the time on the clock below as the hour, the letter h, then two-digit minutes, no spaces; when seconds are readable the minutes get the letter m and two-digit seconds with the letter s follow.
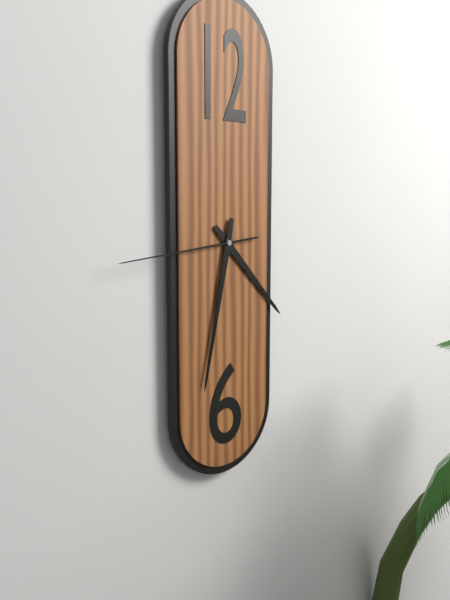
4h32m44s
